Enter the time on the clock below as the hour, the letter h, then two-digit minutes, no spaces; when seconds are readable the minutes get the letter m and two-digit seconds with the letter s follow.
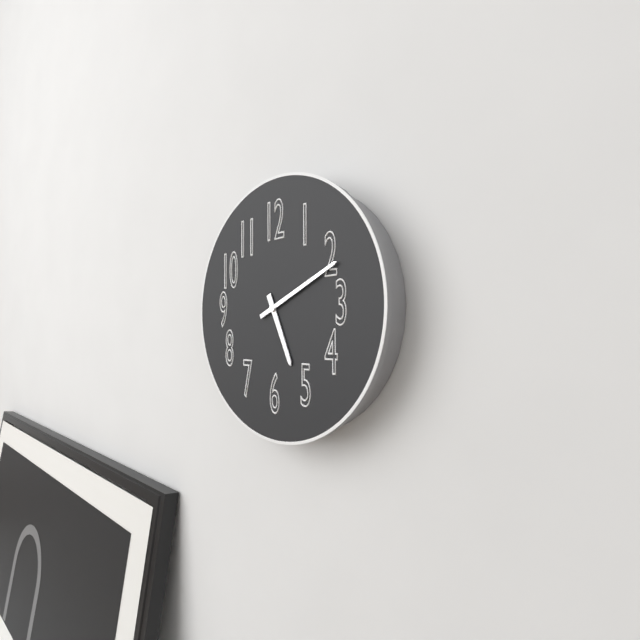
5h11
